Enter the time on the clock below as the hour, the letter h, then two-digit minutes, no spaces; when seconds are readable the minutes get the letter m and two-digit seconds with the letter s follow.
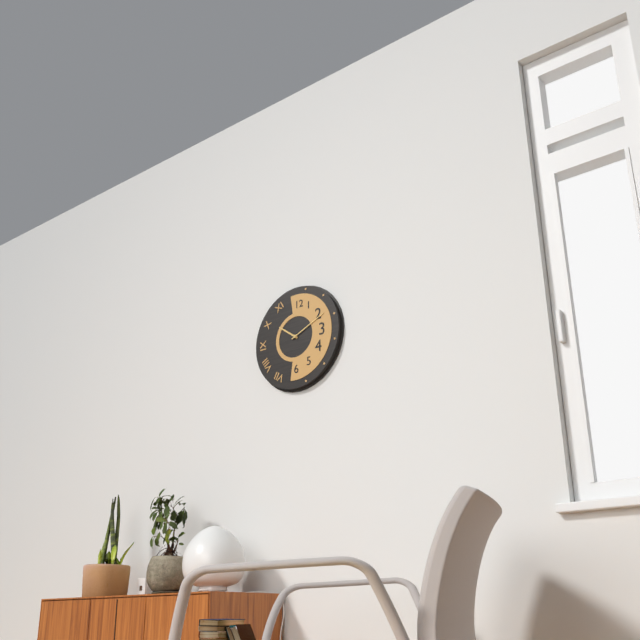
10h11
